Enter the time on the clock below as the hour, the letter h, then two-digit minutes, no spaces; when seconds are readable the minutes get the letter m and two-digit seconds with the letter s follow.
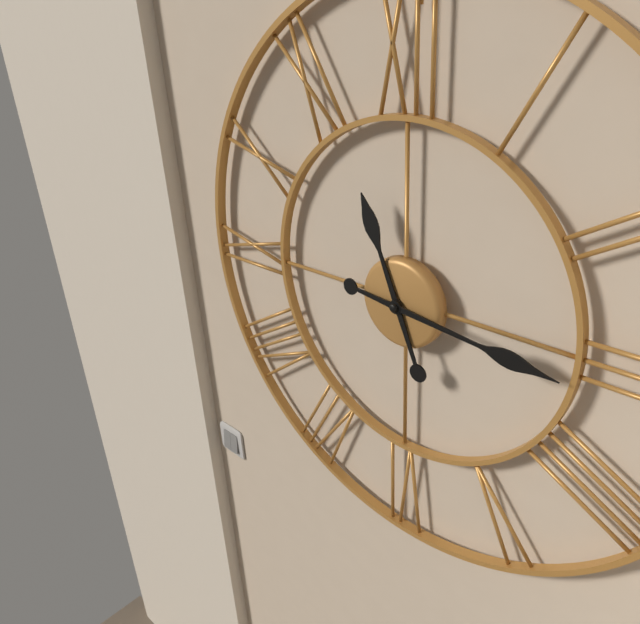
11h16
